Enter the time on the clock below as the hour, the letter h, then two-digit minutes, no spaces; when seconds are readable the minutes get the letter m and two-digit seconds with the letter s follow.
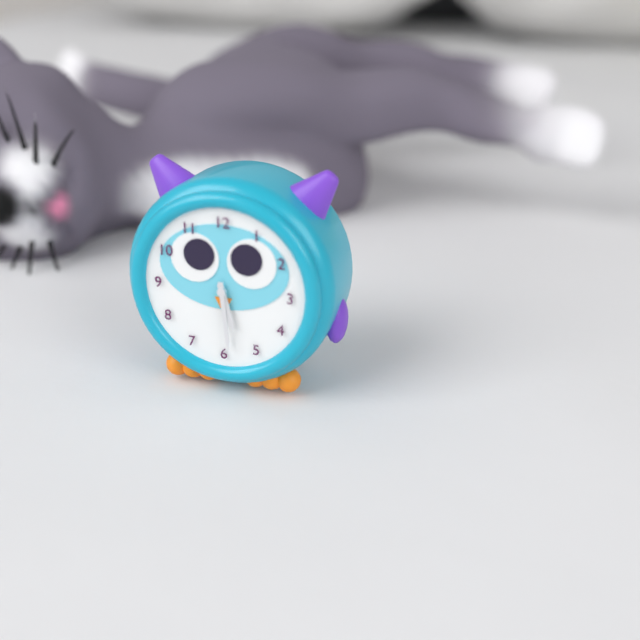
5h29
